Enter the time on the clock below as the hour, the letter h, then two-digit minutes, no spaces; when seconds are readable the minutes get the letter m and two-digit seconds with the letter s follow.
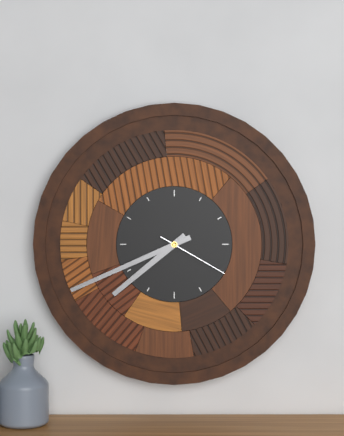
7h41m20s
